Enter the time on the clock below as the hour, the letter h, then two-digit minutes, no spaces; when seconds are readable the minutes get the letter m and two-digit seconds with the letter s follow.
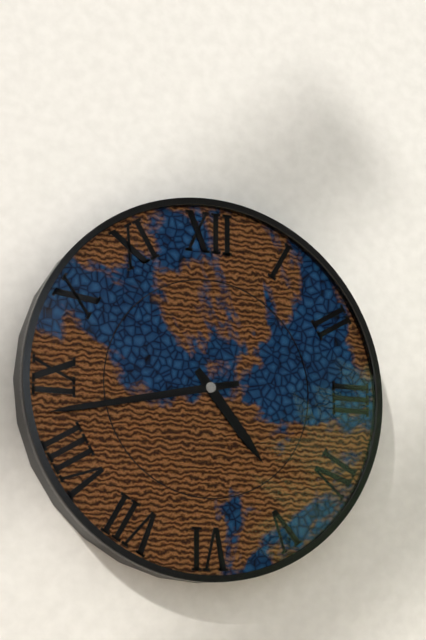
4h43
